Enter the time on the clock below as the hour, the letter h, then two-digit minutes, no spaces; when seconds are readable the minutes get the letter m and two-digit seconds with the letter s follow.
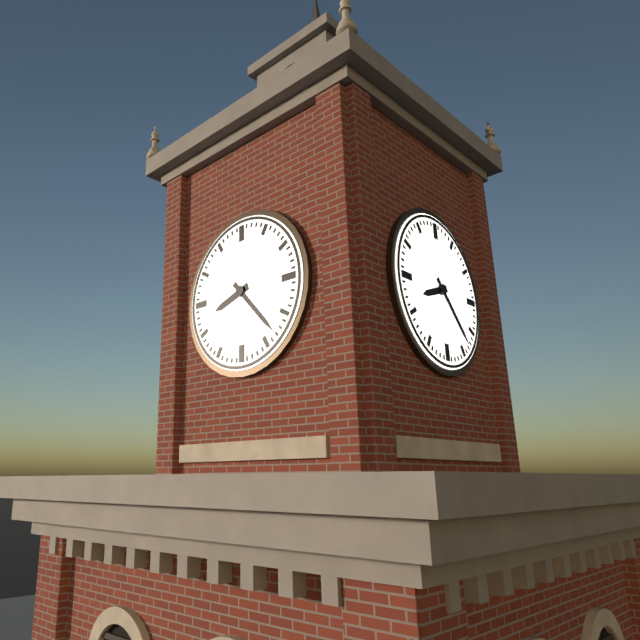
8h23
